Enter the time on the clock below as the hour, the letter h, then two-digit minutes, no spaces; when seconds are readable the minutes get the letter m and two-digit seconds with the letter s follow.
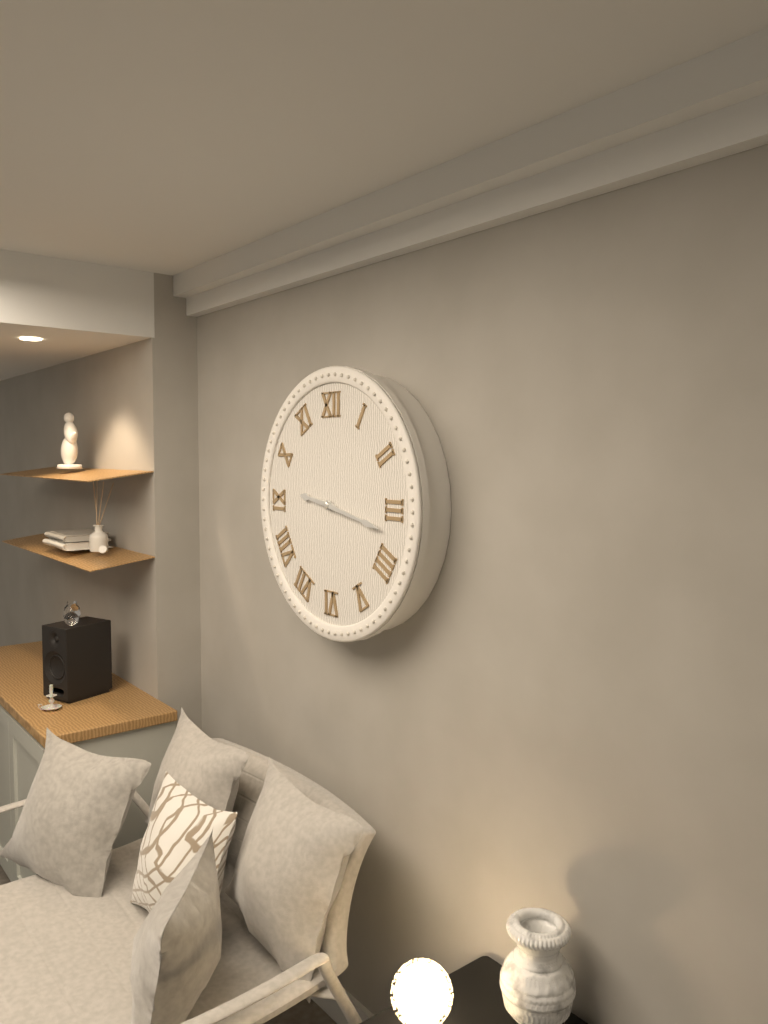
9h17
